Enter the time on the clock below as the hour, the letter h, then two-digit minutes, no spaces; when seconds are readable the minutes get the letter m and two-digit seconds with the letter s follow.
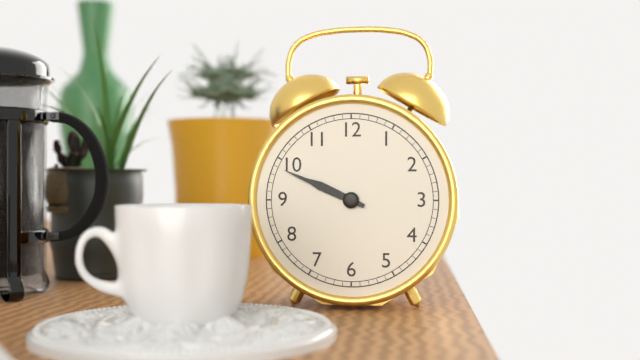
9h49
